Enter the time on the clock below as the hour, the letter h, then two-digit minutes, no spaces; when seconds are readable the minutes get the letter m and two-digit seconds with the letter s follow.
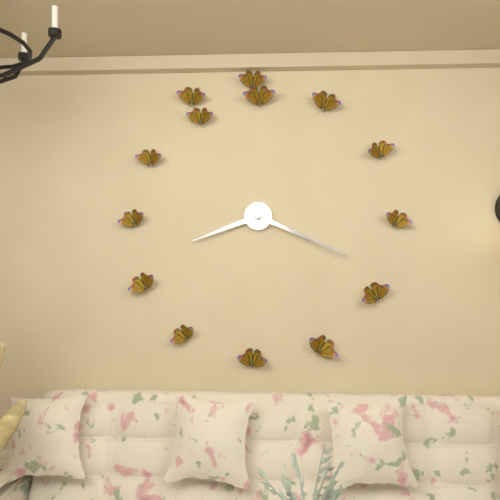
8h19
